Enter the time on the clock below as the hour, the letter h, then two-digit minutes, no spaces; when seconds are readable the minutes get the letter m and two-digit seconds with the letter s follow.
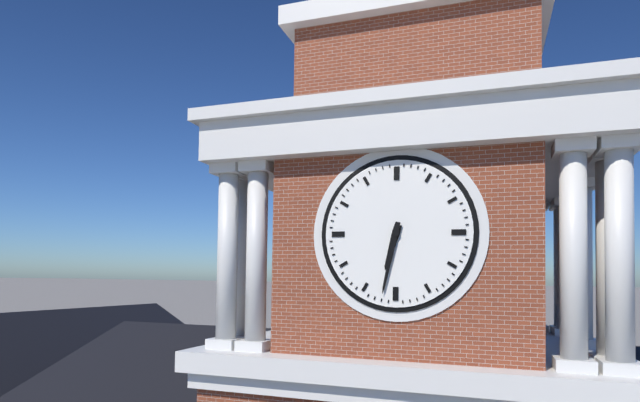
6h32
